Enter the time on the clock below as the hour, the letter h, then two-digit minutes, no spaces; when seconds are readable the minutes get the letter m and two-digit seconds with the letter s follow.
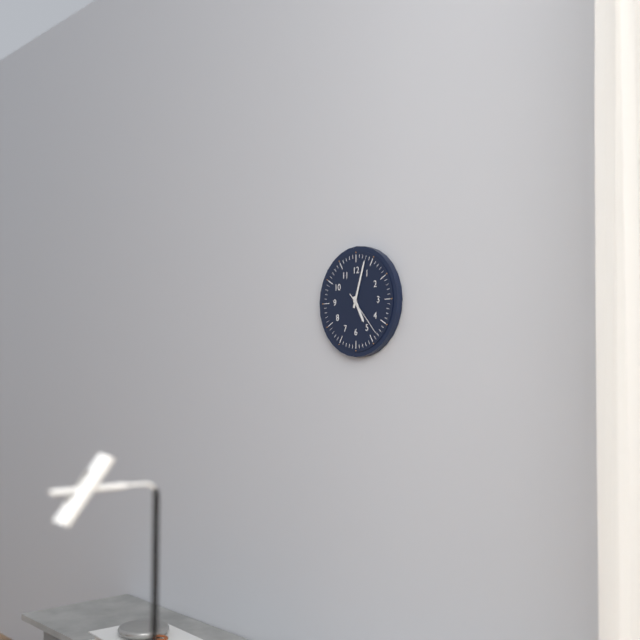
5h03
